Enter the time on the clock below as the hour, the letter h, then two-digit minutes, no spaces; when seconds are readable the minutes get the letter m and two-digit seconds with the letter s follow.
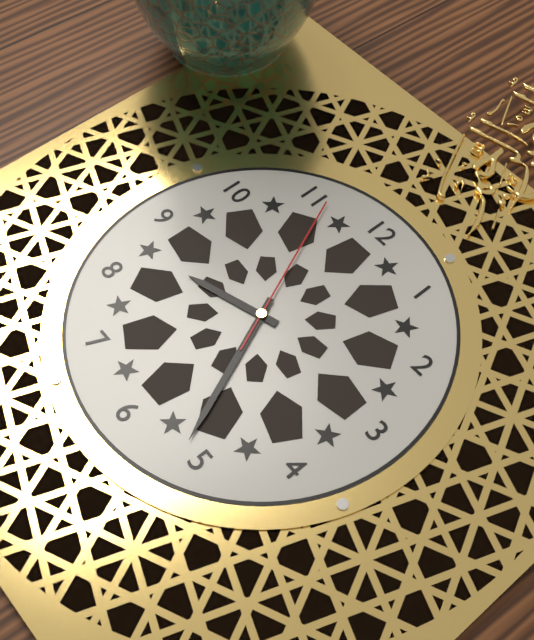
8h26m56s
